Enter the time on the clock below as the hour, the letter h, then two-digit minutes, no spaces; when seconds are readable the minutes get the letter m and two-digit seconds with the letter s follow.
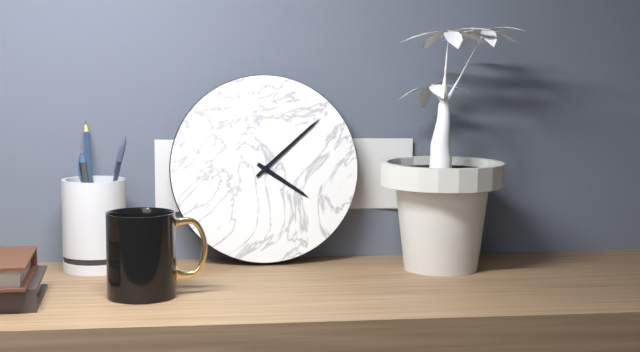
4h08
